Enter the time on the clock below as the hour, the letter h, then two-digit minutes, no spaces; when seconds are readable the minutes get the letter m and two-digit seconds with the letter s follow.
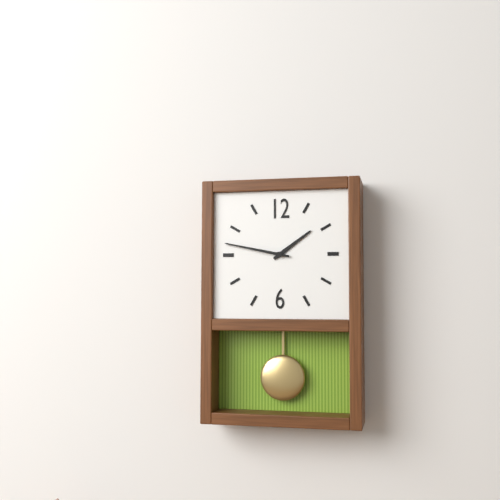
1h47
